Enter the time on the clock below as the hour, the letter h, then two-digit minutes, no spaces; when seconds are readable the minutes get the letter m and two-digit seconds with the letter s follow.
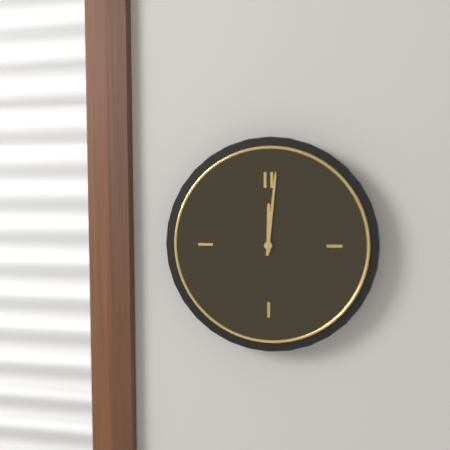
12h01
